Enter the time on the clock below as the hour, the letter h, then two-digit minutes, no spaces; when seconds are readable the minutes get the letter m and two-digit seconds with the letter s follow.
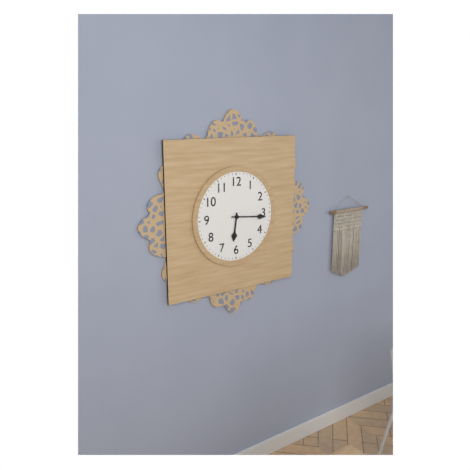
6h16
